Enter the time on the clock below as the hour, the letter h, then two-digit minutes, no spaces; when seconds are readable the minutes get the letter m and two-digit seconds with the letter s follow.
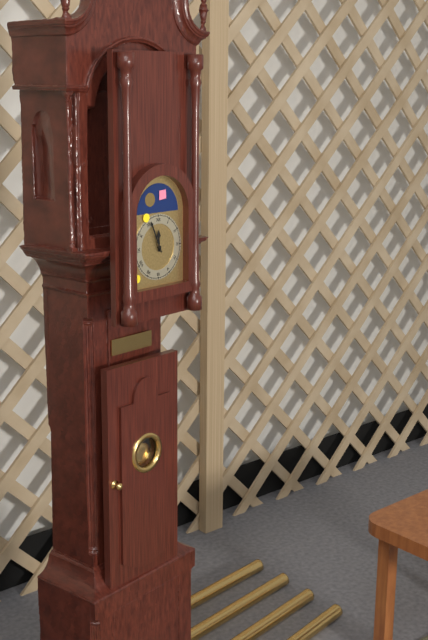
11h56
